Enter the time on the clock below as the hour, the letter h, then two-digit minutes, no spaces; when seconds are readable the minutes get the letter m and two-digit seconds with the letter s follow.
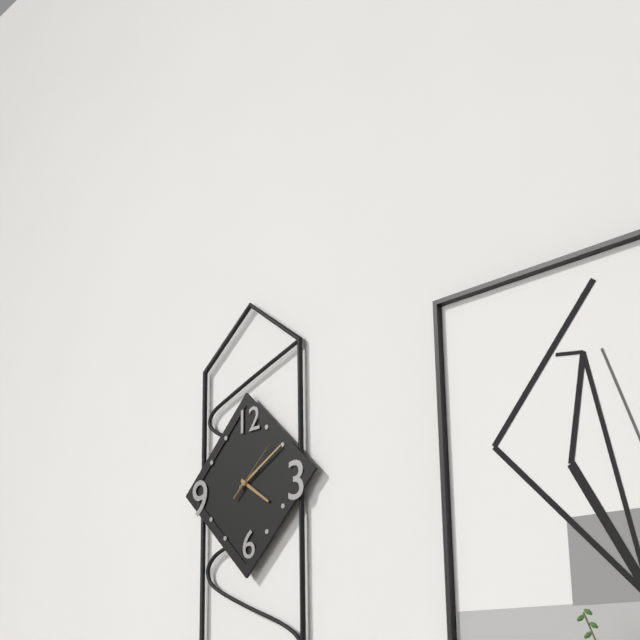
4h10m08s
